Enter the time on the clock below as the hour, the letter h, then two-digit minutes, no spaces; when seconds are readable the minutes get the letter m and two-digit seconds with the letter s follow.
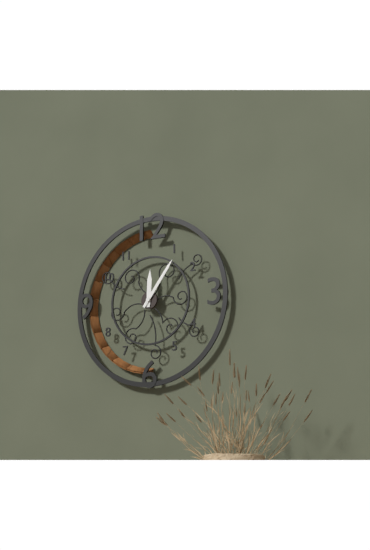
12h06
